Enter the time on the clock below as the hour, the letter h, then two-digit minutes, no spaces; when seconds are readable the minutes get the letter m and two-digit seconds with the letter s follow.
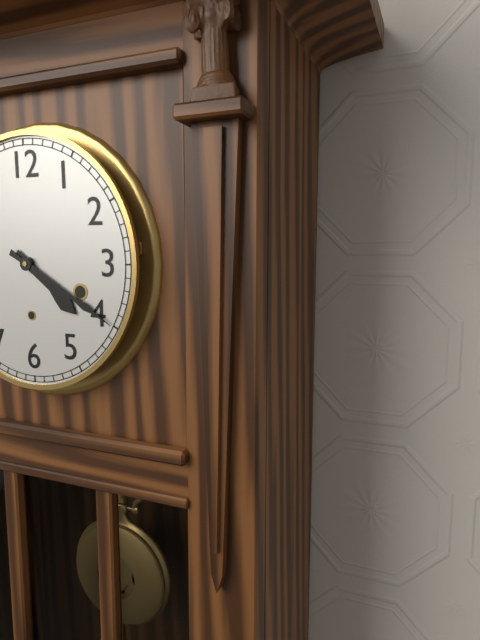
4h20
